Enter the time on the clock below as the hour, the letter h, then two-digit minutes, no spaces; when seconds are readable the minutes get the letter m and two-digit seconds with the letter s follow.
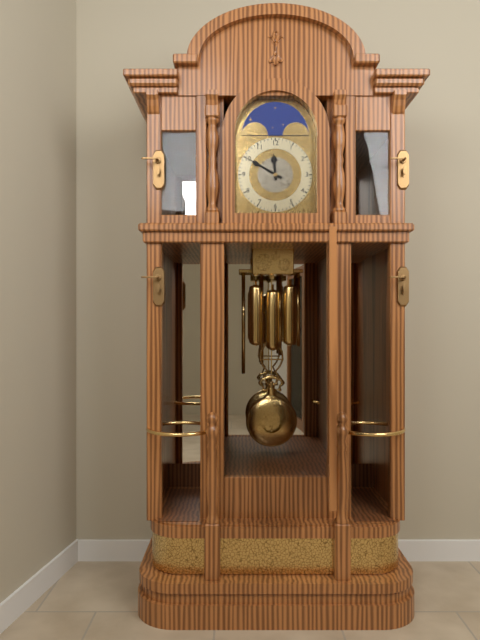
11h50
